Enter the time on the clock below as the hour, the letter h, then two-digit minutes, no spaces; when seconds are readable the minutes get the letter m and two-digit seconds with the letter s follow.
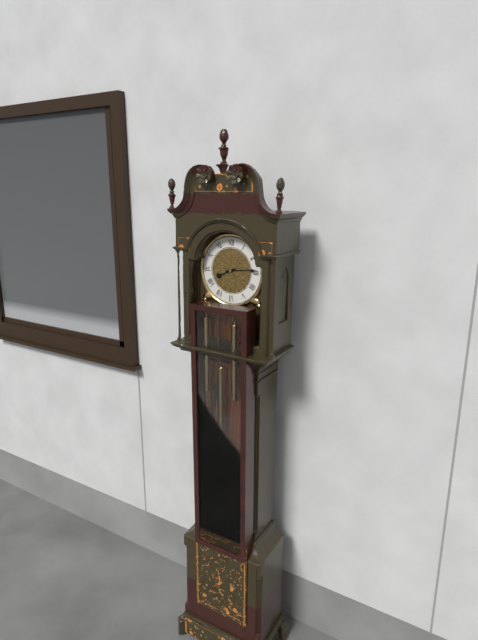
8h14
